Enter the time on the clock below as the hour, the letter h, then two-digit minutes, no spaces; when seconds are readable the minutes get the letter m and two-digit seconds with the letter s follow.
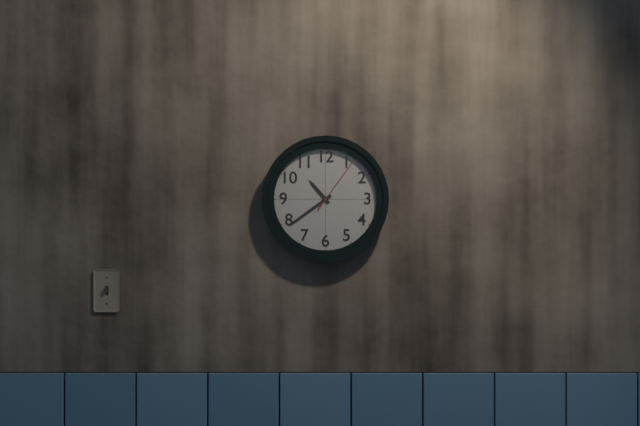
10h39m06s
